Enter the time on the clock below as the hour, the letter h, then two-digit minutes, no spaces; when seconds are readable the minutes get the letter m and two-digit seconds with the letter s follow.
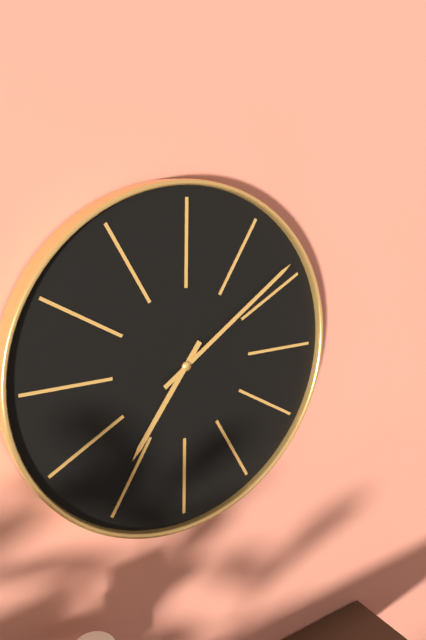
7h09
